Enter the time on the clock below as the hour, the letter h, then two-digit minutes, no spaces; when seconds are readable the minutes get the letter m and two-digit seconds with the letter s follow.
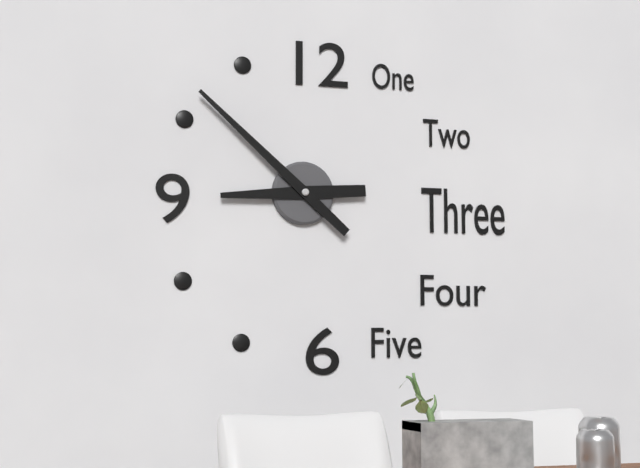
8h52
